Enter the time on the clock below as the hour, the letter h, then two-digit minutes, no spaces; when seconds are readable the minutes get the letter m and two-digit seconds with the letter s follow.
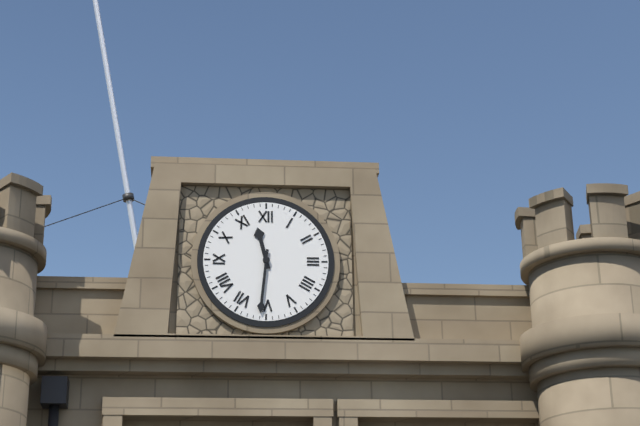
11h31
